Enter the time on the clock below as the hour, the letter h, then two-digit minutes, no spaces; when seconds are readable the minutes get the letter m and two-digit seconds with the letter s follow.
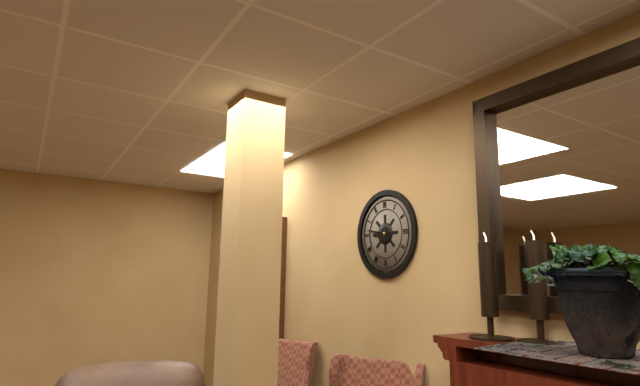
8h47
